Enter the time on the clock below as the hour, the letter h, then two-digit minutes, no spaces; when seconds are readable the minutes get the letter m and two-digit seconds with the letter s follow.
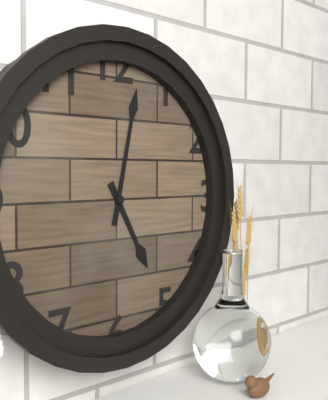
5h02
